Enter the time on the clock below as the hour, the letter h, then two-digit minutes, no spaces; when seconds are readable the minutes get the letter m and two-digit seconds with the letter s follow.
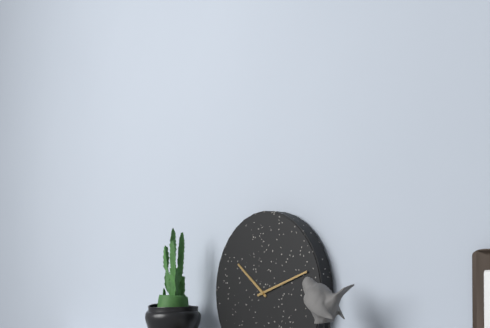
10h12
